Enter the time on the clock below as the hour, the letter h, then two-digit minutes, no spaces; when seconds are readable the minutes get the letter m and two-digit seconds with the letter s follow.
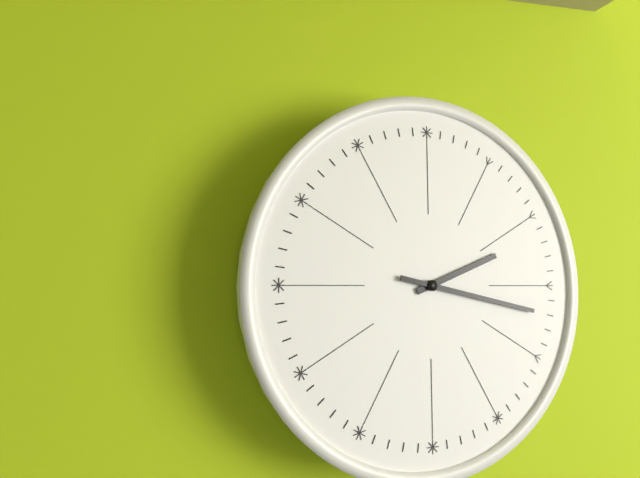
2h17
